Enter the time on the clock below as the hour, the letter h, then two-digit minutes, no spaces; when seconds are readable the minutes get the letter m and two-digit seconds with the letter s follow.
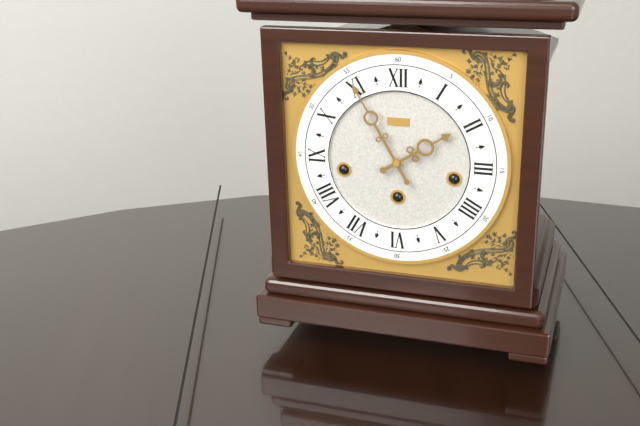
1h55
